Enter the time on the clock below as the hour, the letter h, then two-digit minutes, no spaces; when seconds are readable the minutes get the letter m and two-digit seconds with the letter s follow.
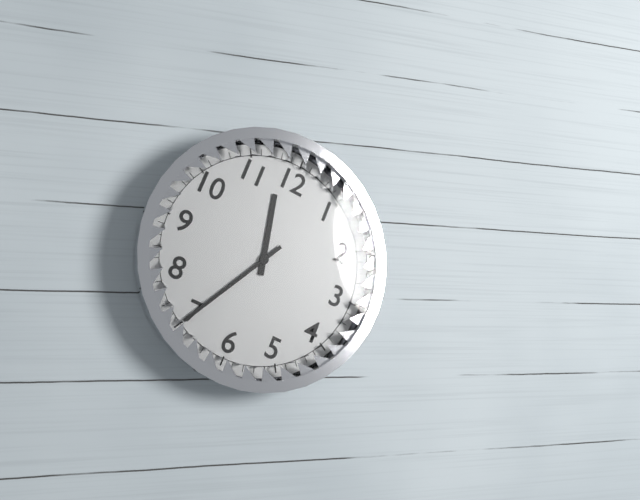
11h35
